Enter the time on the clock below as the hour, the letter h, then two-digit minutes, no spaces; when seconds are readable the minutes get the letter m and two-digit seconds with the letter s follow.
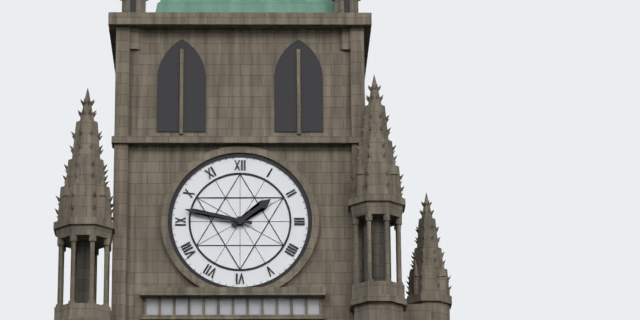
1h47
